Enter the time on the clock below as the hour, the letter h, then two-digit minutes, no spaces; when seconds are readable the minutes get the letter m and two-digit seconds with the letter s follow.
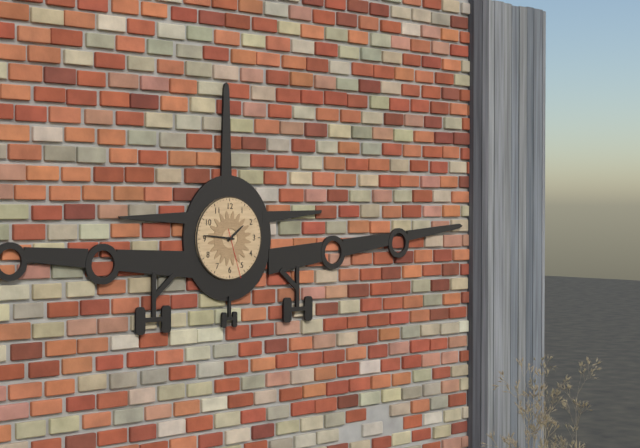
1h46m27s
